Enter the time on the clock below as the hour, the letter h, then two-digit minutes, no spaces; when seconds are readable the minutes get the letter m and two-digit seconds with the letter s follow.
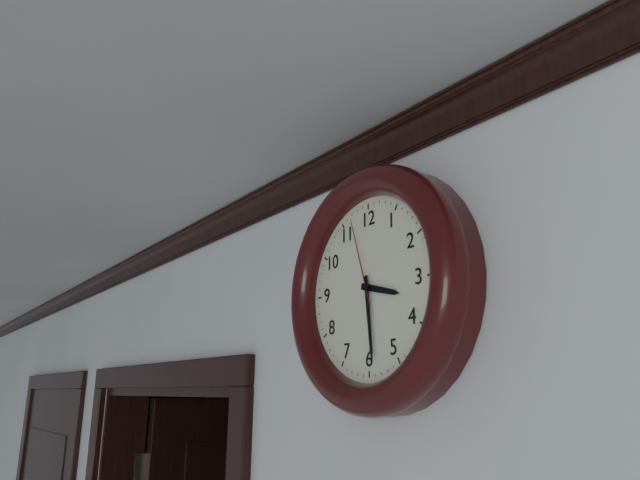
3h29m57s
